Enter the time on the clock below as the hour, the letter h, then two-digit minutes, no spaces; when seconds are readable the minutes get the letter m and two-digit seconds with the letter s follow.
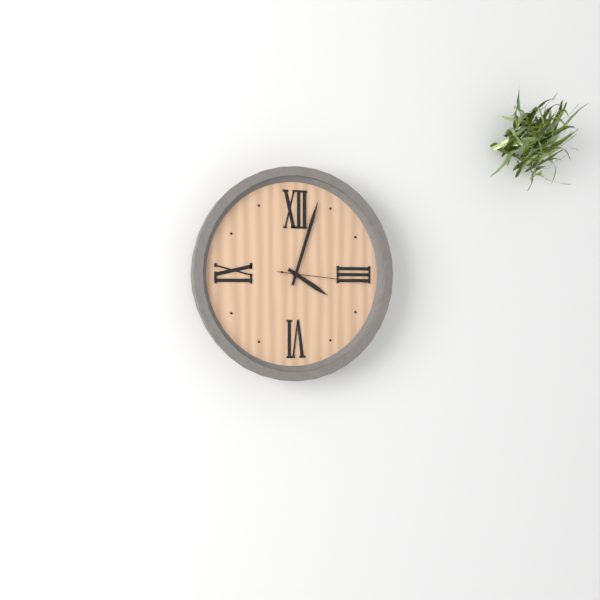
4h03m16s
